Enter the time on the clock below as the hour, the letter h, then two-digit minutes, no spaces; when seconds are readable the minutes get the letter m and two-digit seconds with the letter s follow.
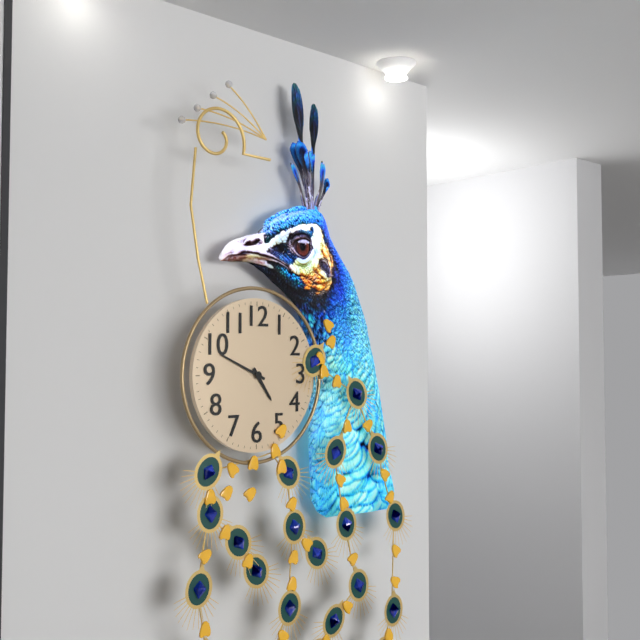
4h49
